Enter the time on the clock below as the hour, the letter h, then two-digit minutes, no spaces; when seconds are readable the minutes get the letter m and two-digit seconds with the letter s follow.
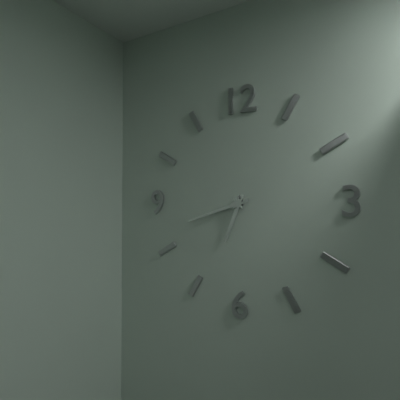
6h42
